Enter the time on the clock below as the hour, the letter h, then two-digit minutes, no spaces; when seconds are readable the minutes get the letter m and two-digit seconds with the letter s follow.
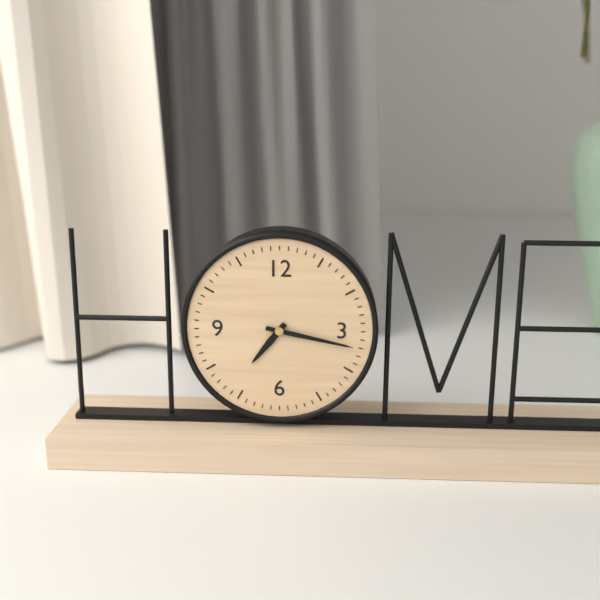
7h17
